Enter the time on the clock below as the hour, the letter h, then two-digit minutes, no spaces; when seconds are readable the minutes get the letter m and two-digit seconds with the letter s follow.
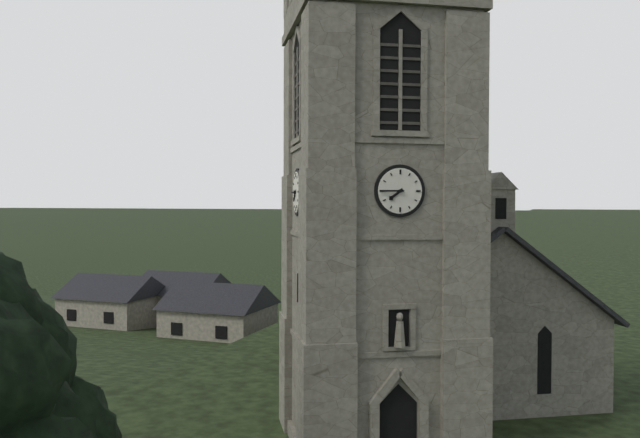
7h45
